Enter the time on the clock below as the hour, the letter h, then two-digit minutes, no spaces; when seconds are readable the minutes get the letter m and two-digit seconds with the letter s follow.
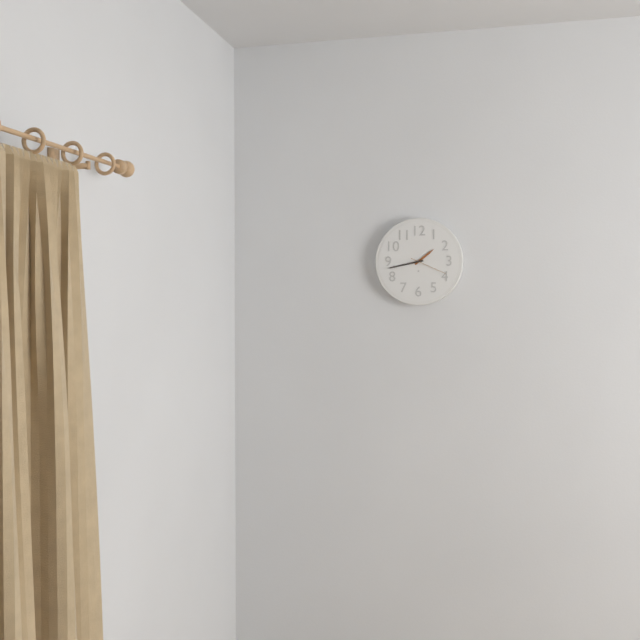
1h43
